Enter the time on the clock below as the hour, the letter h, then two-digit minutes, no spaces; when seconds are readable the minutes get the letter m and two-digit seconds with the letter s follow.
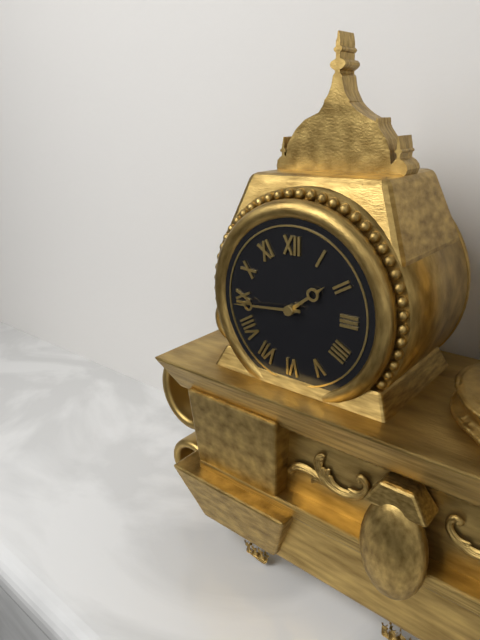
1h44
